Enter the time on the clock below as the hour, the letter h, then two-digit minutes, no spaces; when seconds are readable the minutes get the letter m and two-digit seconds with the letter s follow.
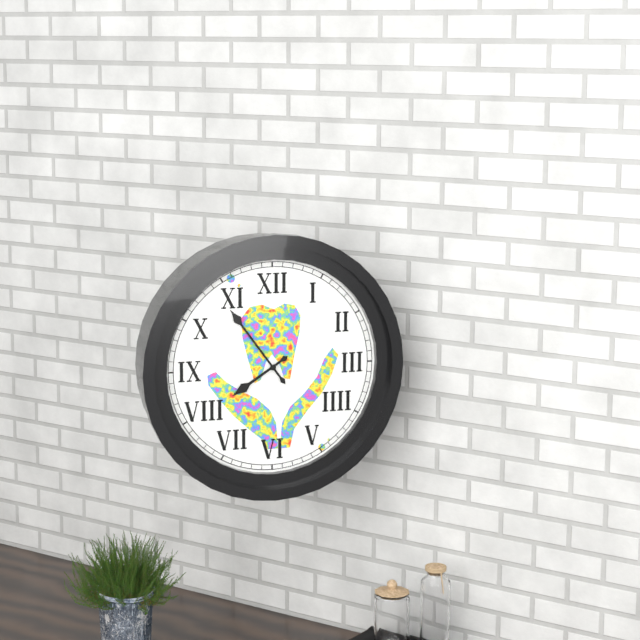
7h54
